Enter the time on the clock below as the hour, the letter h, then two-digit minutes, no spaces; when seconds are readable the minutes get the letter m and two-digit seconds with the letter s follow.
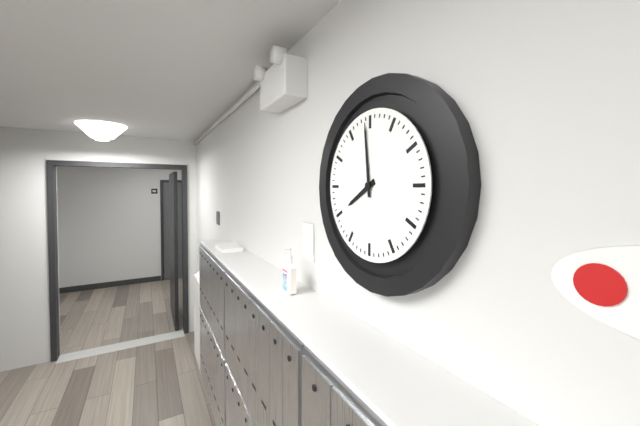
7h59
